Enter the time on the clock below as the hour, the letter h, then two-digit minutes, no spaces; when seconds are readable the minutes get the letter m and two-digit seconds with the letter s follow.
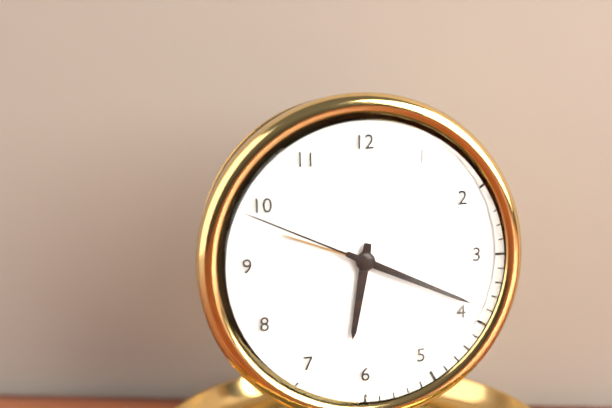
6h19m49s
